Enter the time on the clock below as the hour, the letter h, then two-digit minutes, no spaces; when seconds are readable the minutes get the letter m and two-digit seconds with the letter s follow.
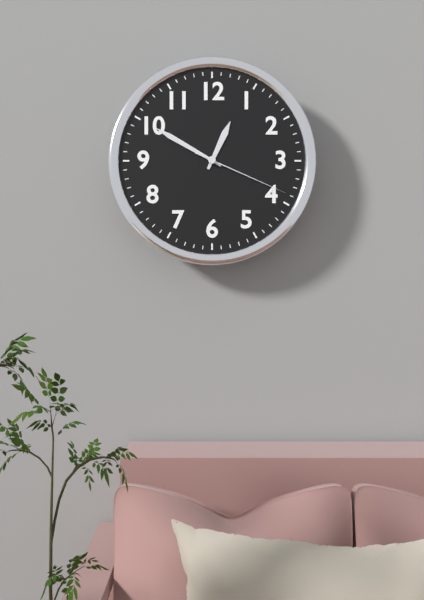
12h50m19s
